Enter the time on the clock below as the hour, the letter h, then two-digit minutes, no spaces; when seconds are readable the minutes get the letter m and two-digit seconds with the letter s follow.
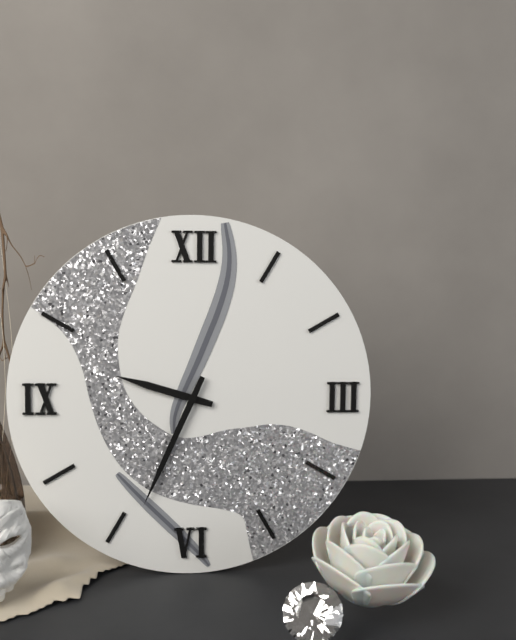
9h34
